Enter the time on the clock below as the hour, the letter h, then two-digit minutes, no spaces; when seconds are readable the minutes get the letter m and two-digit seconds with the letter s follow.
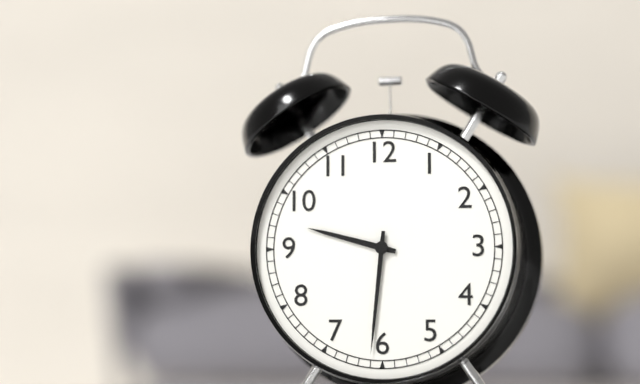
9h31
